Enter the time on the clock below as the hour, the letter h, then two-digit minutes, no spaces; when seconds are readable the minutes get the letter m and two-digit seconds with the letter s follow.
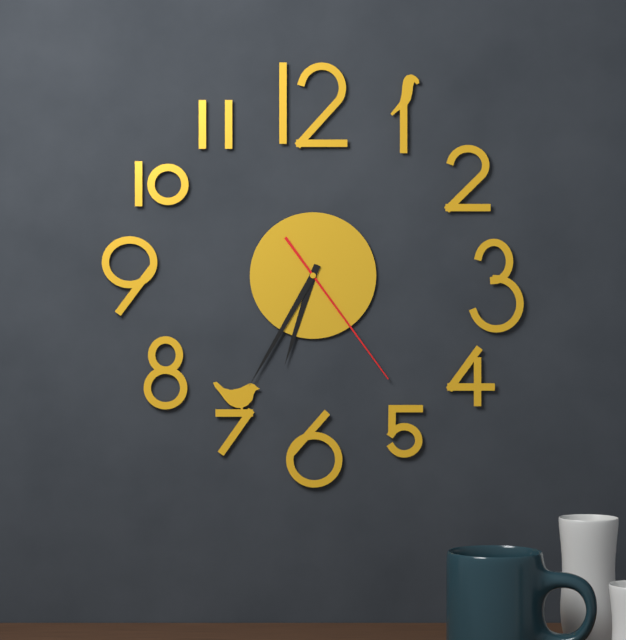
6h35m24s
